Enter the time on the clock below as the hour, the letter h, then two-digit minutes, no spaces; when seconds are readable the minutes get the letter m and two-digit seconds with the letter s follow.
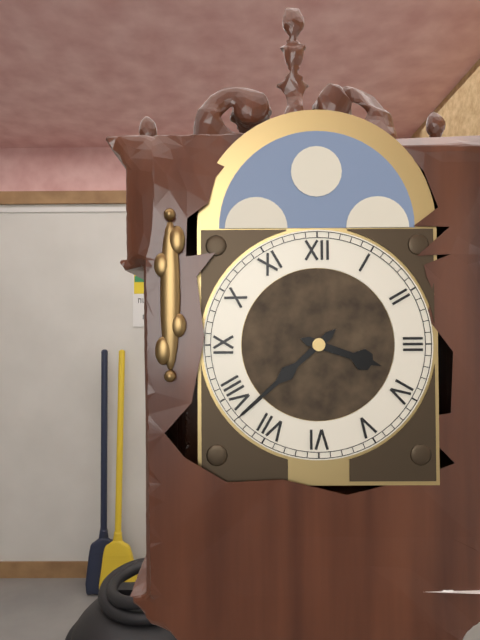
3h38
